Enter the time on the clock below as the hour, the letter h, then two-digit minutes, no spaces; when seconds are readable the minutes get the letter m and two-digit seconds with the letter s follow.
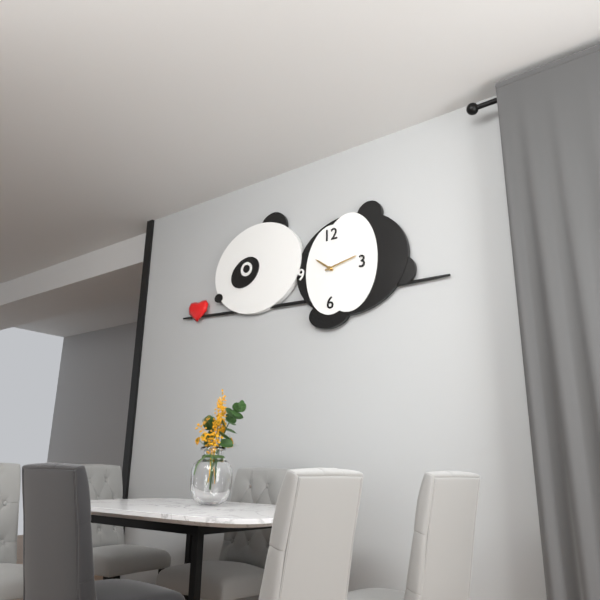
10h13
